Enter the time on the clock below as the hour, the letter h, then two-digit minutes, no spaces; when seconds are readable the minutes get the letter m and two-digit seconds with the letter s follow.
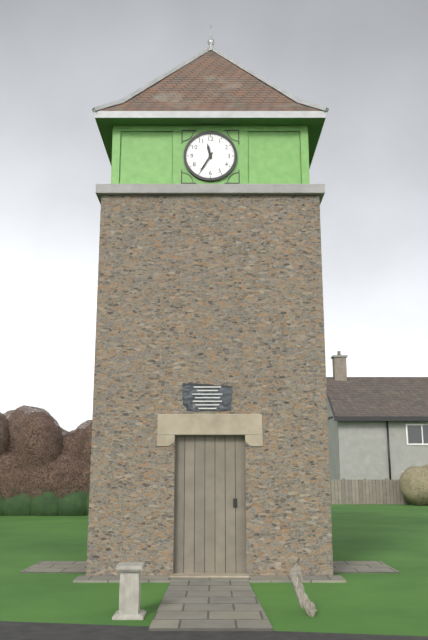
11h35
